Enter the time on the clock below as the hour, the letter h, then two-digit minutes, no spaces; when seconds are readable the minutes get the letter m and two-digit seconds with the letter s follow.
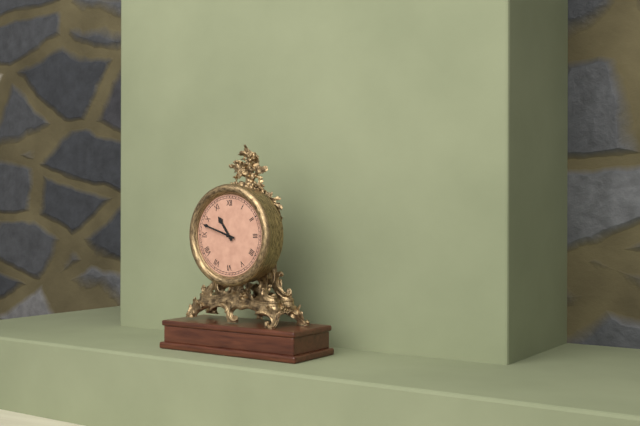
10h48
